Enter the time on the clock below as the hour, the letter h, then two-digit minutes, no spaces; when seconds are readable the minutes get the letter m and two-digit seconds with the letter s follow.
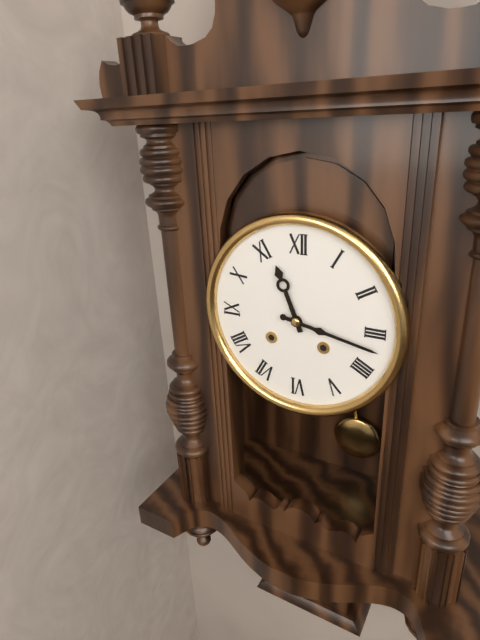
11h17
